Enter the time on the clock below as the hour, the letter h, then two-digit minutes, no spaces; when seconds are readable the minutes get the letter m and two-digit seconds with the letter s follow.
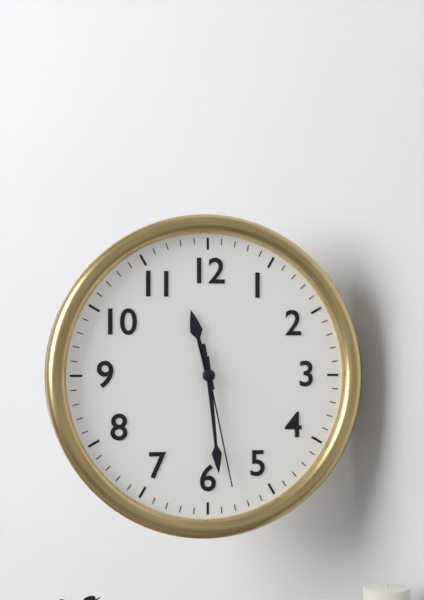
11h29m28s
